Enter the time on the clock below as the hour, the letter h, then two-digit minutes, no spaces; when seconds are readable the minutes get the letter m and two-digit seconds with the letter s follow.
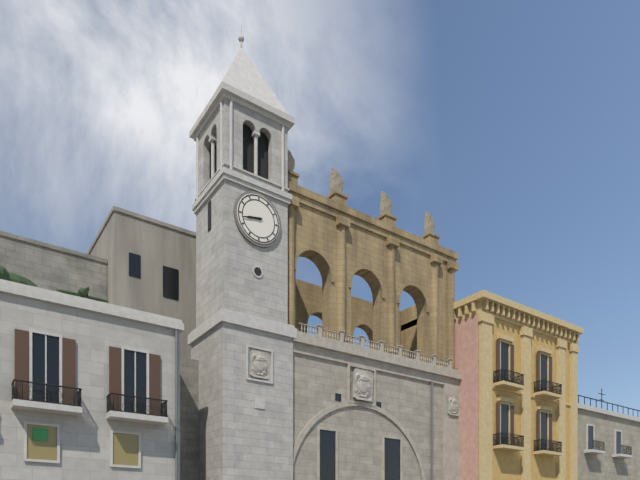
8h43
